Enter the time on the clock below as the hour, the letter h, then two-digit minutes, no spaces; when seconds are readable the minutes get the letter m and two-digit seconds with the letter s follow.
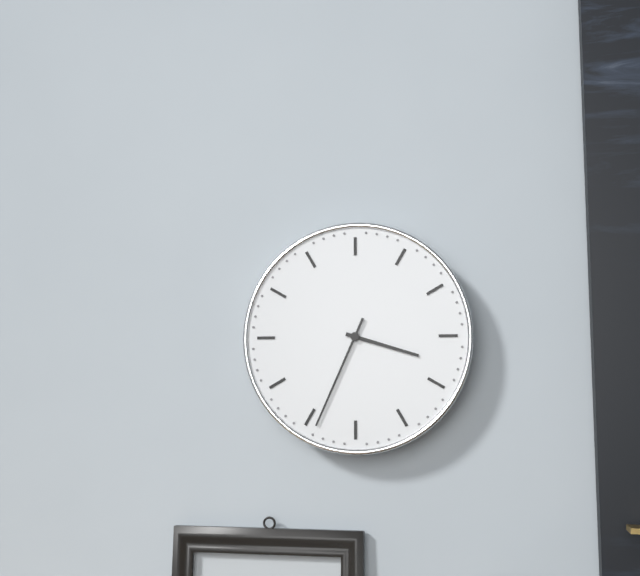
3h34
